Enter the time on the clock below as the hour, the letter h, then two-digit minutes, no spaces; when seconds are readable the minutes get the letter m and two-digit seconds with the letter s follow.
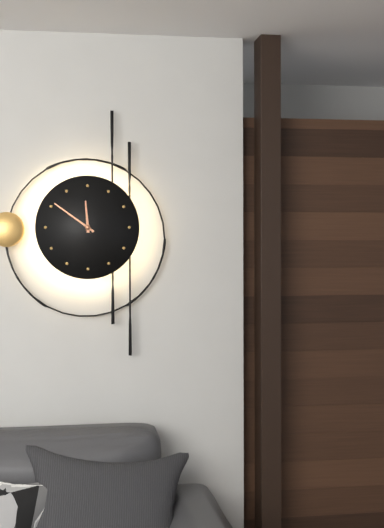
11h51
